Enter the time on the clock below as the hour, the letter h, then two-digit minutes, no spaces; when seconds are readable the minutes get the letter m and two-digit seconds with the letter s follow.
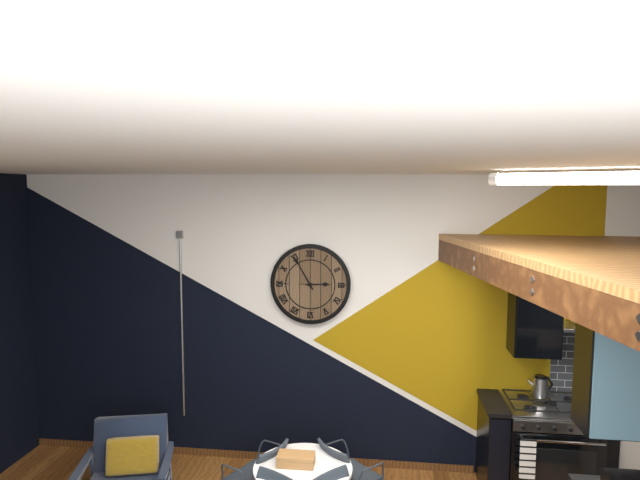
2h55
